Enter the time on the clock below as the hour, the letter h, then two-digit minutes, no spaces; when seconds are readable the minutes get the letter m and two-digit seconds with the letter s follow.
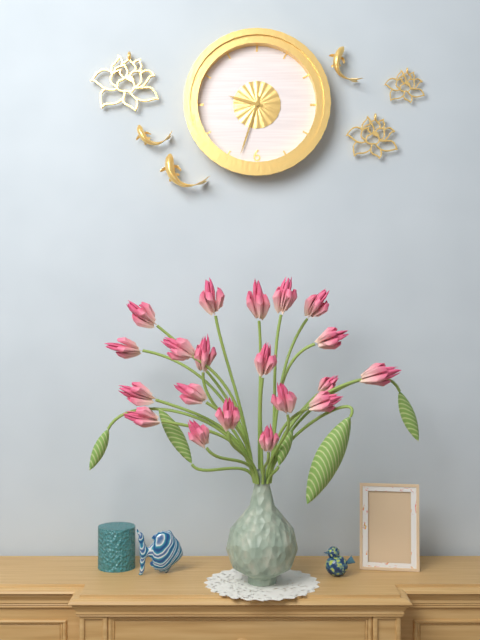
9h33
